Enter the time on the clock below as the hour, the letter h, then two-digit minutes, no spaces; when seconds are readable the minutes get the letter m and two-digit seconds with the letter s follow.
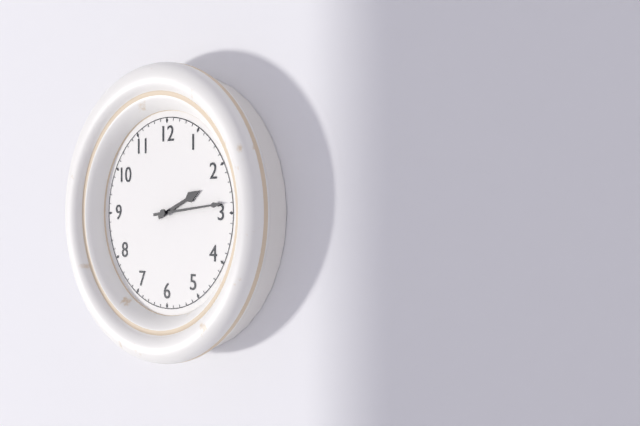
2h14
